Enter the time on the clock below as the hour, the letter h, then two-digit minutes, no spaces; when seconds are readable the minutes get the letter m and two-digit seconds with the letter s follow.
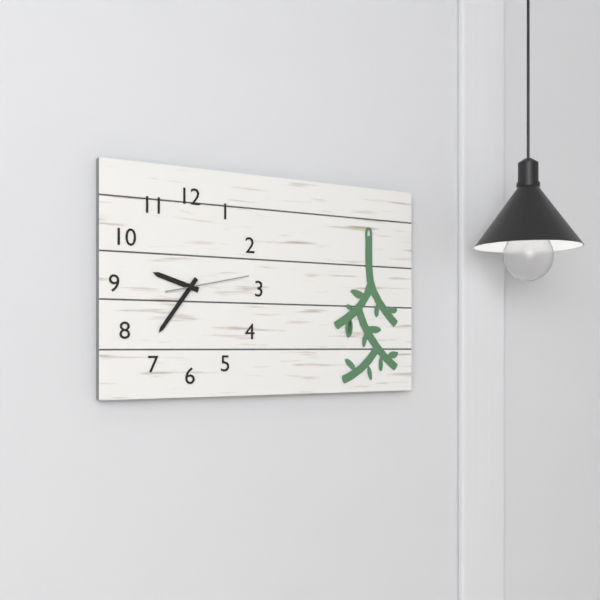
9h36m13s
